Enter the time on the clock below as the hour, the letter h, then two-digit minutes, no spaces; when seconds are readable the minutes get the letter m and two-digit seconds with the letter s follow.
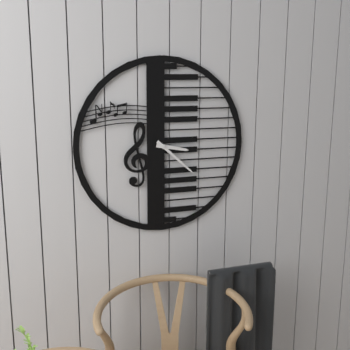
3h22
